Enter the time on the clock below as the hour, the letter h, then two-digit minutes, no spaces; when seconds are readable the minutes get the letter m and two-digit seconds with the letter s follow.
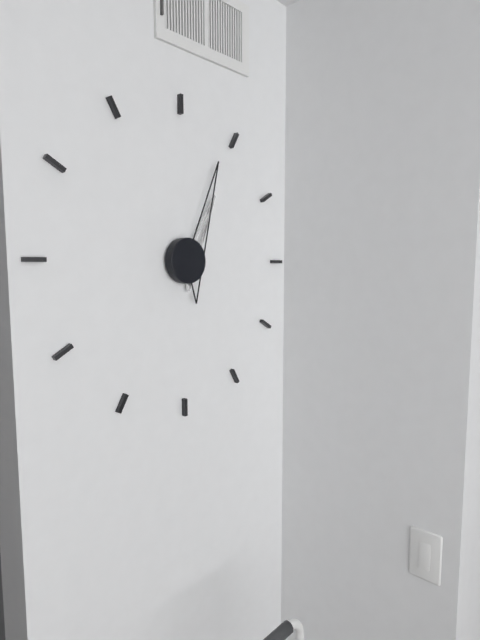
1h04
